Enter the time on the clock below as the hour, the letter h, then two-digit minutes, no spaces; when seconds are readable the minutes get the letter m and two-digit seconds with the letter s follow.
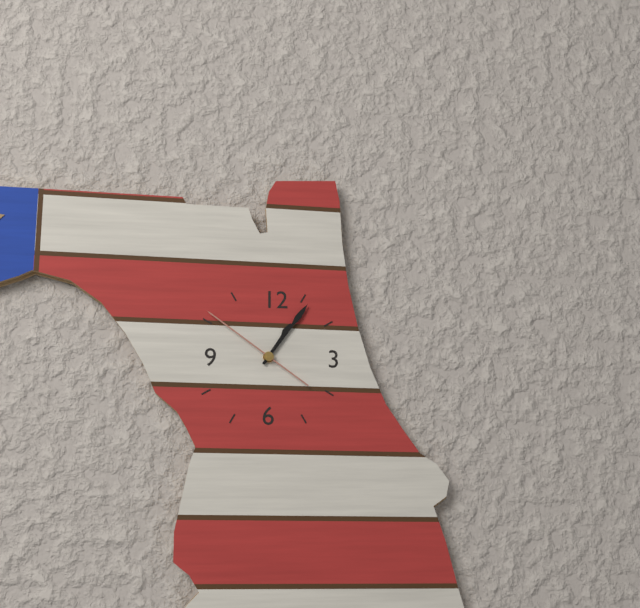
1h06m51s
